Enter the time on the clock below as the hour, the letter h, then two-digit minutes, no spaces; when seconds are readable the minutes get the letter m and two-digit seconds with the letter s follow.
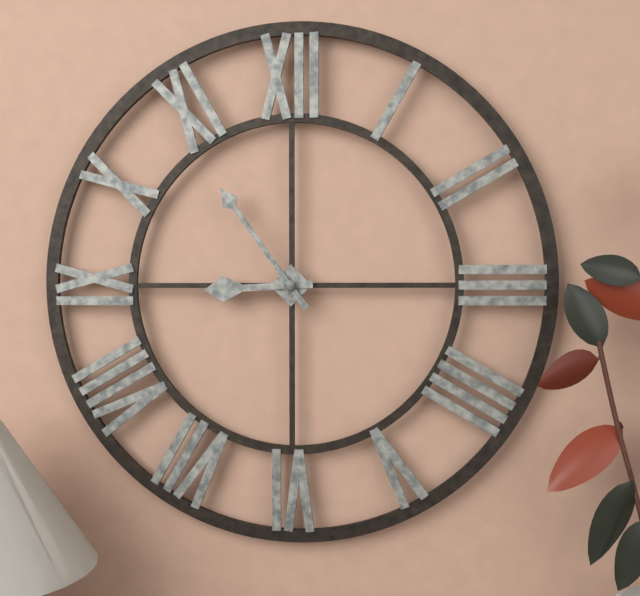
8h54
